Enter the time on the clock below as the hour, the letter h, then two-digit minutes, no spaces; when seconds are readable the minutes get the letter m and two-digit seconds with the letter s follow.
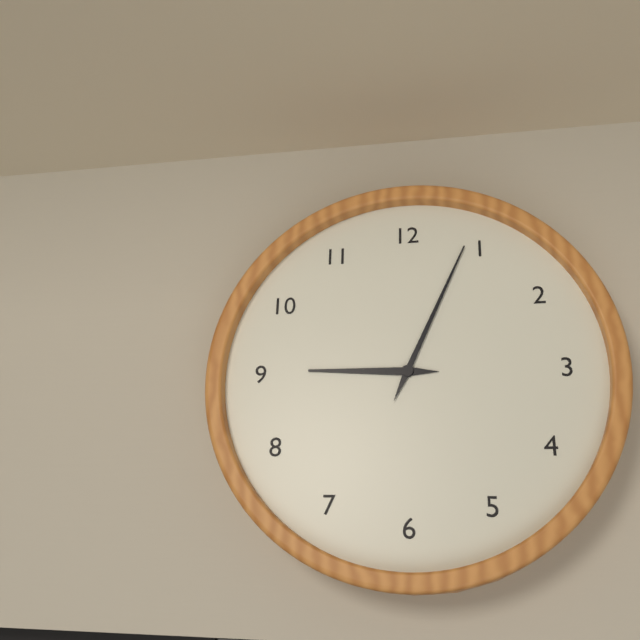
9h04
